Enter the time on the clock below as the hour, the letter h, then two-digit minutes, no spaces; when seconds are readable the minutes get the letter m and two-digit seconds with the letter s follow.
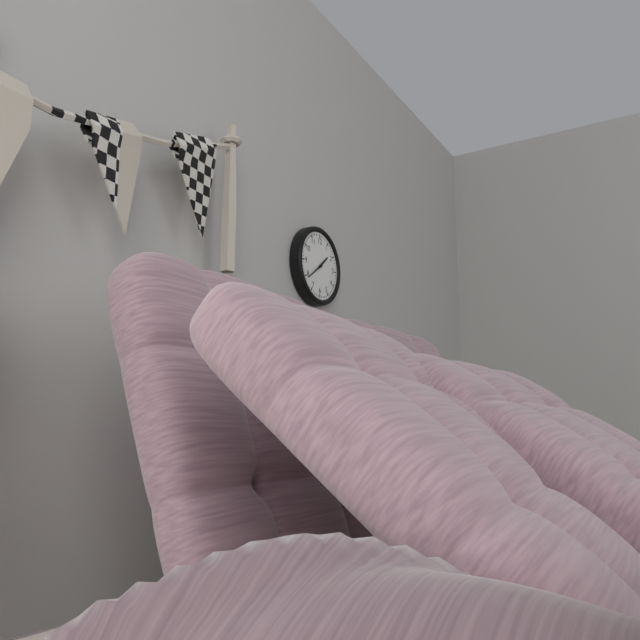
1h39
